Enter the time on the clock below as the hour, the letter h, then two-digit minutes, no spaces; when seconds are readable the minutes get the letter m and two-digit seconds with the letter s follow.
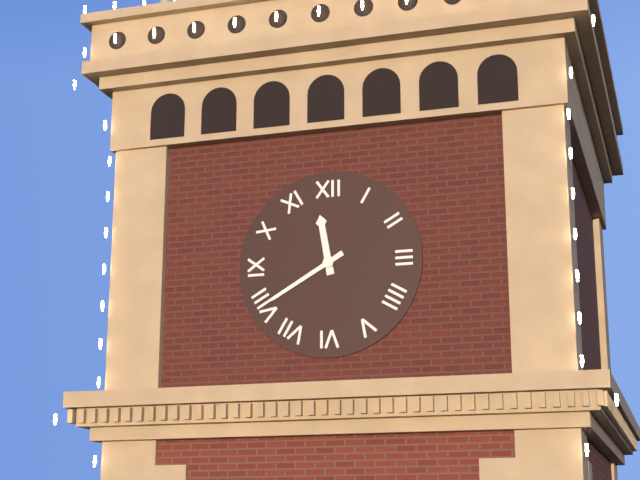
11h40
